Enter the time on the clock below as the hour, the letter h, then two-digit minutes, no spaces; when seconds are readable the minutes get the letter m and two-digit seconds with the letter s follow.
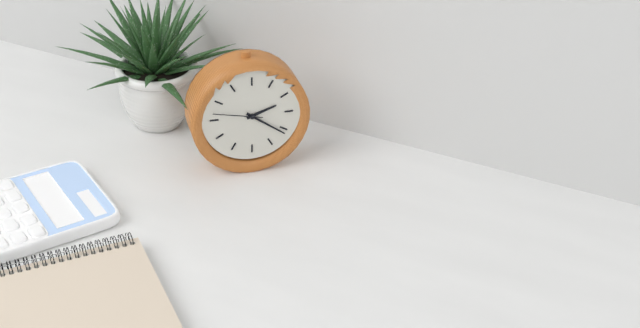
2h21
